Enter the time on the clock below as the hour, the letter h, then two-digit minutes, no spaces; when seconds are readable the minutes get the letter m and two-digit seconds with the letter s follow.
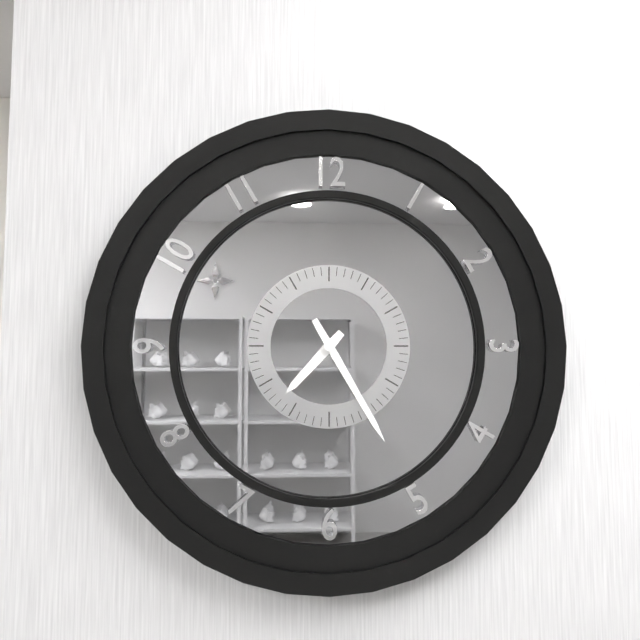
7h25
